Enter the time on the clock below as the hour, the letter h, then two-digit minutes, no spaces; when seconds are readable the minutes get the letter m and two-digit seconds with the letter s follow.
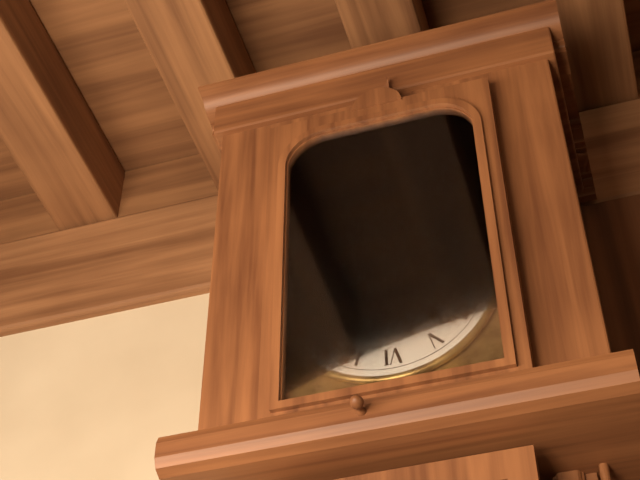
5h22
